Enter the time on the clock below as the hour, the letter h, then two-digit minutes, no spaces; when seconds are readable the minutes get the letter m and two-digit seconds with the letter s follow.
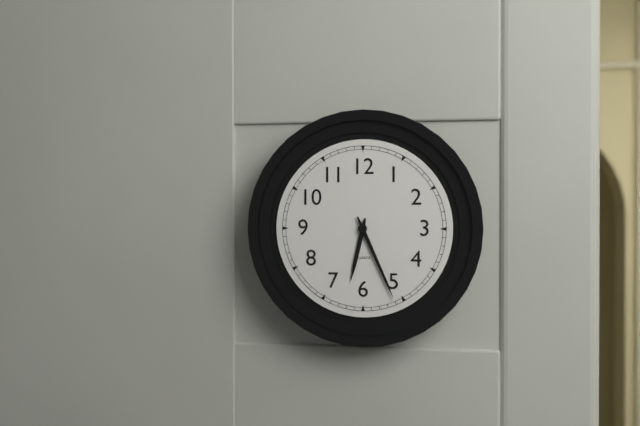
6h26
